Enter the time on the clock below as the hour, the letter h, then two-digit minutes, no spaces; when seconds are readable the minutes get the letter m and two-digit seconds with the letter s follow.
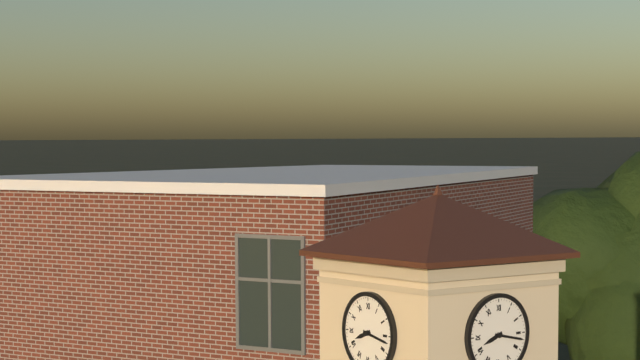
8h17
